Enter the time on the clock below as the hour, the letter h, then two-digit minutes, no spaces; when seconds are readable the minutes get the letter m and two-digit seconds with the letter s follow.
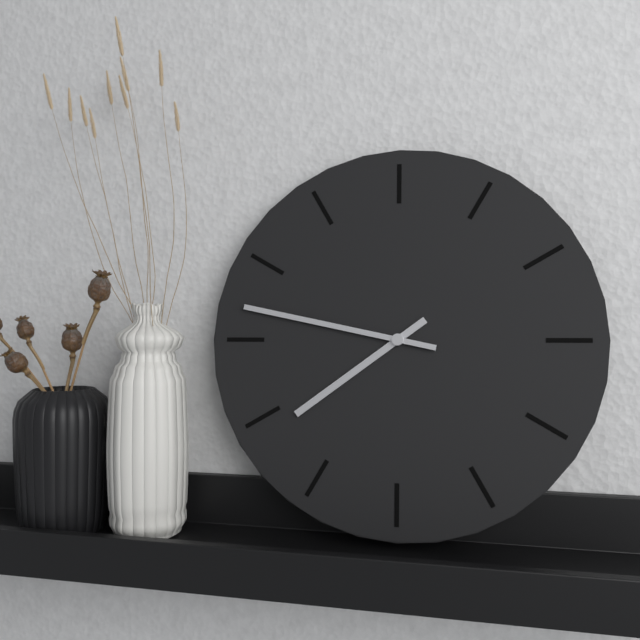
7h47
